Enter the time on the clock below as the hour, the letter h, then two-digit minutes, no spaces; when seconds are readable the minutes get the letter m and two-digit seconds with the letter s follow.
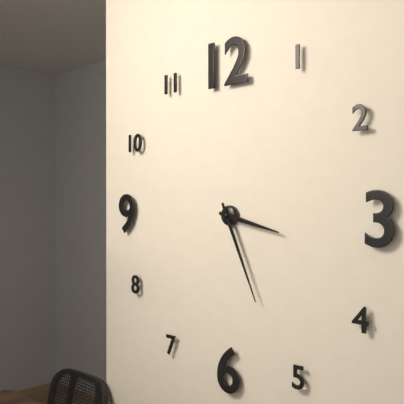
3h26
